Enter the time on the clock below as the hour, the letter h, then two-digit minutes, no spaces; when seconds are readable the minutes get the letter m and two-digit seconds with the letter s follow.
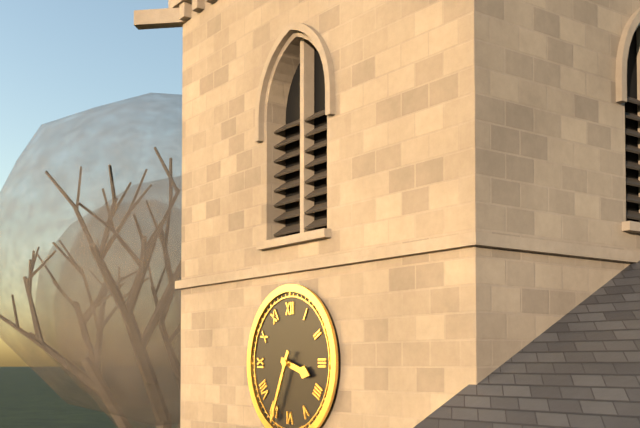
3h34
